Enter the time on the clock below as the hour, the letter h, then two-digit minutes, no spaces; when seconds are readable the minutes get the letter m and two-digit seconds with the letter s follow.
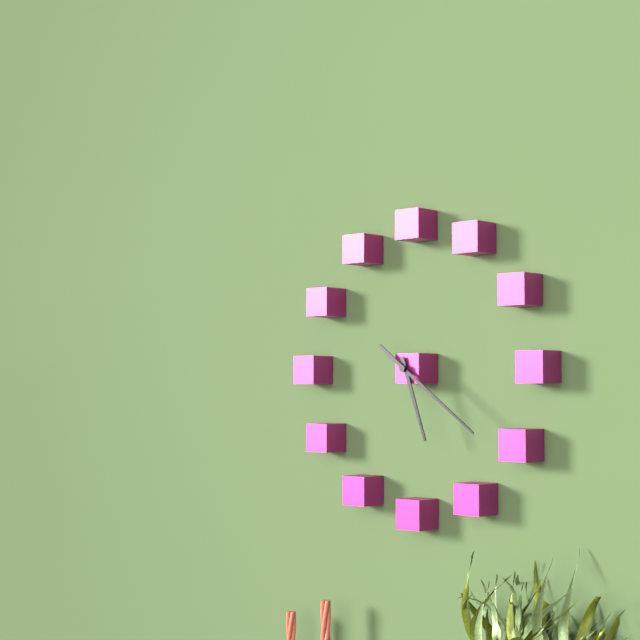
5h21
